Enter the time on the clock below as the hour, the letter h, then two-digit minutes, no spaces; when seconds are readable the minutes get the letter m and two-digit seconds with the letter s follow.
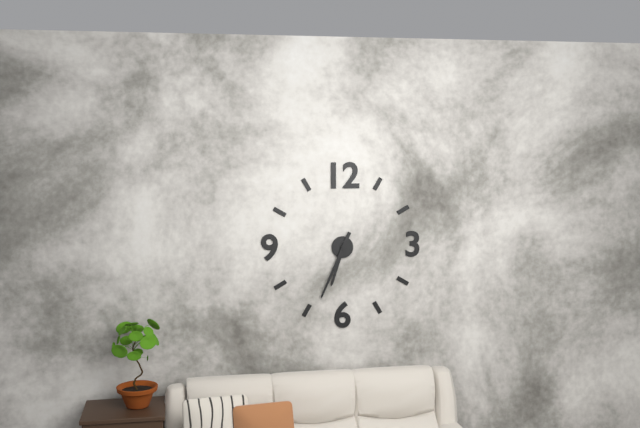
6h34
